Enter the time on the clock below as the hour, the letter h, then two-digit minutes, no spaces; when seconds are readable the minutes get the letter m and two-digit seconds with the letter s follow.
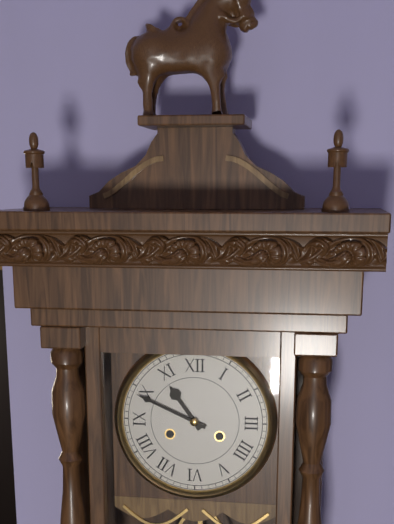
10h49
